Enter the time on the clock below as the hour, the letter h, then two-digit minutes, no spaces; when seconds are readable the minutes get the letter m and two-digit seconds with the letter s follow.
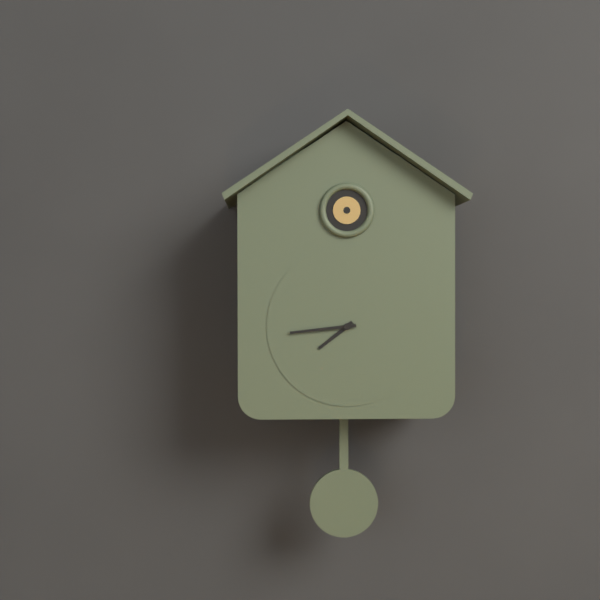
7h44
